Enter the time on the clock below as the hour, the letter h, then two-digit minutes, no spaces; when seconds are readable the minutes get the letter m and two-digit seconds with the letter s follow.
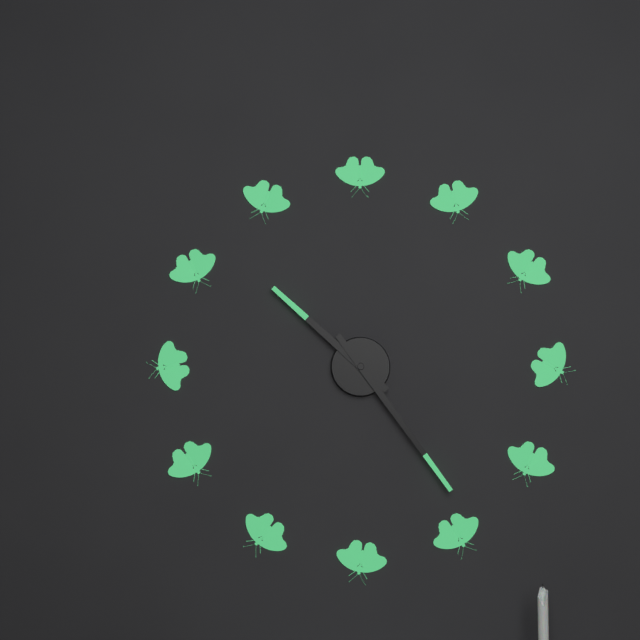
10h24
